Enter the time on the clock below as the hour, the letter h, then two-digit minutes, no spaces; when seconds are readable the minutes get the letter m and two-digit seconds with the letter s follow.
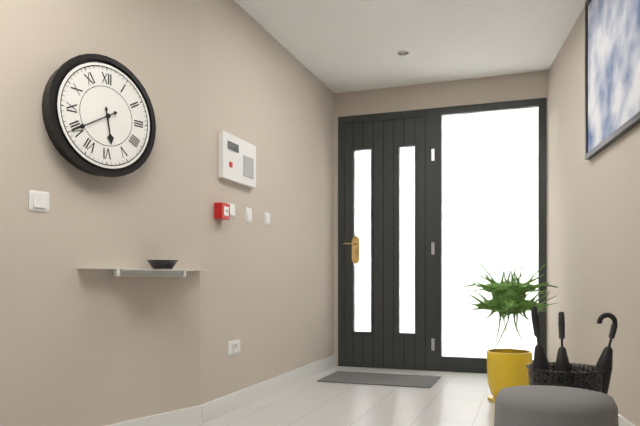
5h40
